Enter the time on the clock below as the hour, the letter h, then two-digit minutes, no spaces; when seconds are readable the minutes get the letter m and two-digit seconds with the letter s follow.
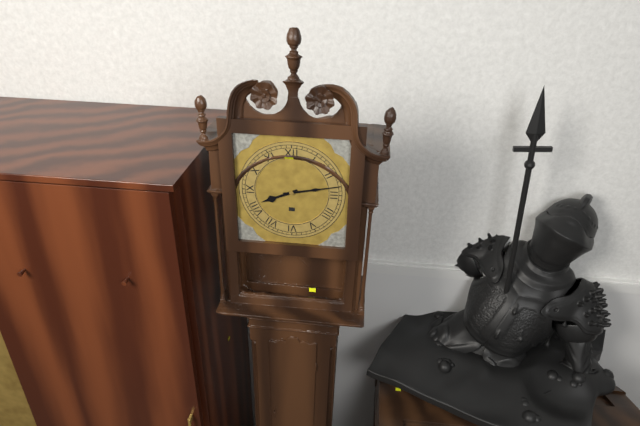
8h13
